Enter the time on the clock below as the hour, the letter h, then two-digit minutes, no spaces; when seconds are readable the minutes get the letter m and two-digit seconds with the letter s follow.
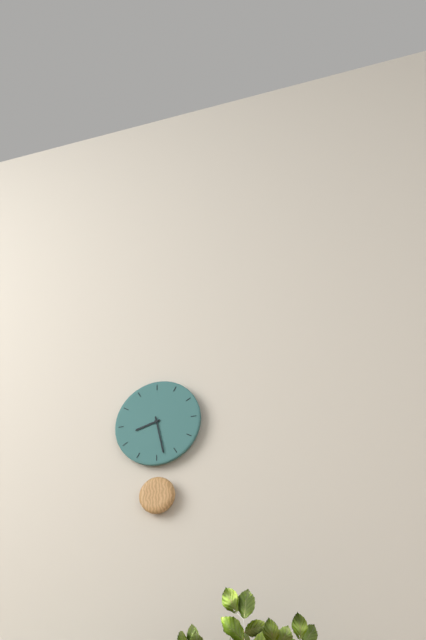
8h28
